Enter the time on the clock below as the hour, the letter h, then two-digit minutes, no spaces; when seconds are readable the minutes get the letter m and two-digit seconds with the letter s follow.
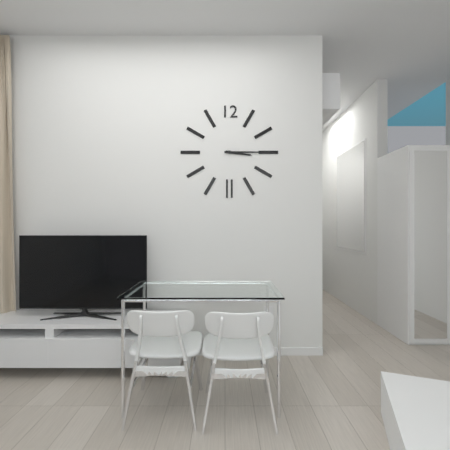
3h15
